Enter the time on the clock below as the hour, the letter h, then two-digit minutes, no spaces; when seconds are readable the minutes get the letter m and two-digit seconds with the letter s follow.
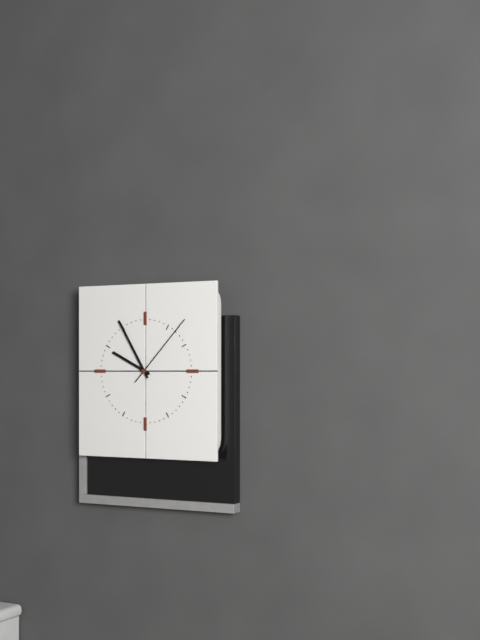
9h55m07s
